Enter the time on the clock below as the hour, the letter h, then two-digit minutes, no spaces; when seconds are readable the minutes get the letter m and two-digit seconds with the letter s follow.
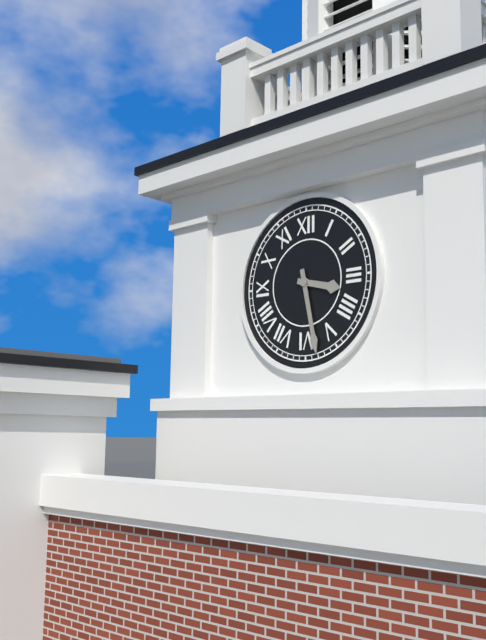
3h28
